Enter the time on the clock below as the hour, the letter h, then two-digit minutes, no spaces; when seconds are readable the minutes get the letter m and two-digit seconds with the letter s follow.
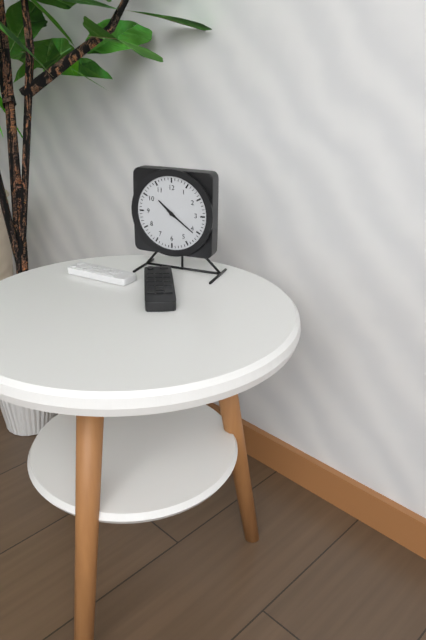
10h21
